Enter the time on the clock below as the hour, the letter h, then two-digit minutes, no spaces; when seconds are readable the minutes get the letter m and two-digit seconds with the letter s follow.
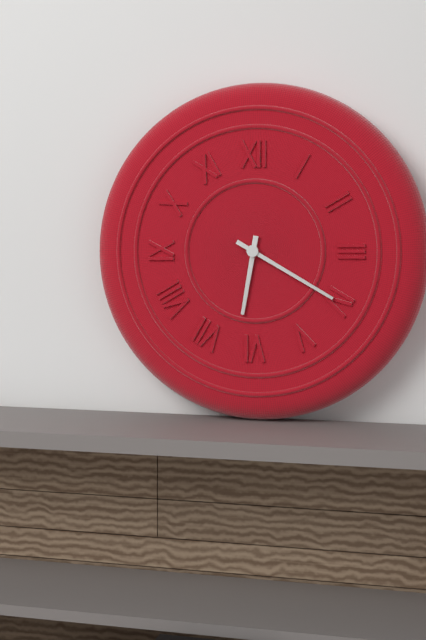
6h20
